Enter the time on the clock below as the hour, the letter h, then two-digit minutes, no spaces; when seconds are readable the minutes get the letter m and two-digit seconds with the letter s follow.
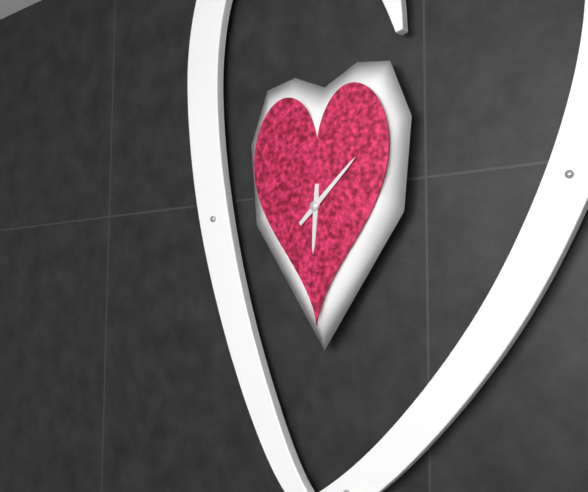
6h08
